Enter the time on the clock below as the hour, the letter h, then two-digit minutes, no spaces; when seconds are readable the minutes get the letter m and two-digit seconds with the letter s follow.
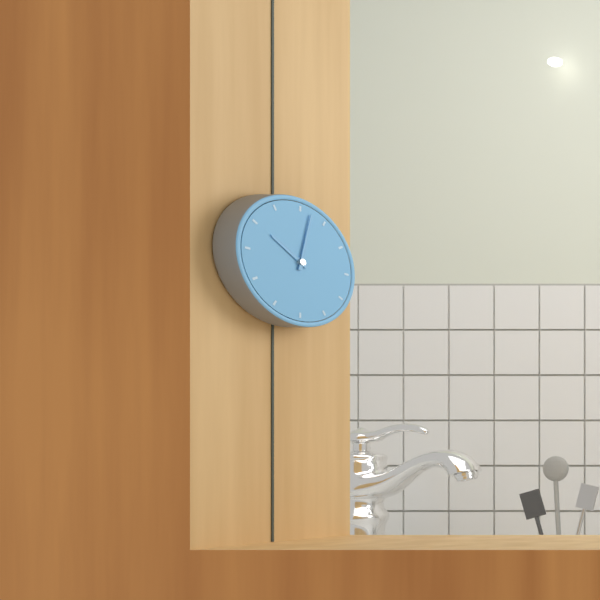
10h02
